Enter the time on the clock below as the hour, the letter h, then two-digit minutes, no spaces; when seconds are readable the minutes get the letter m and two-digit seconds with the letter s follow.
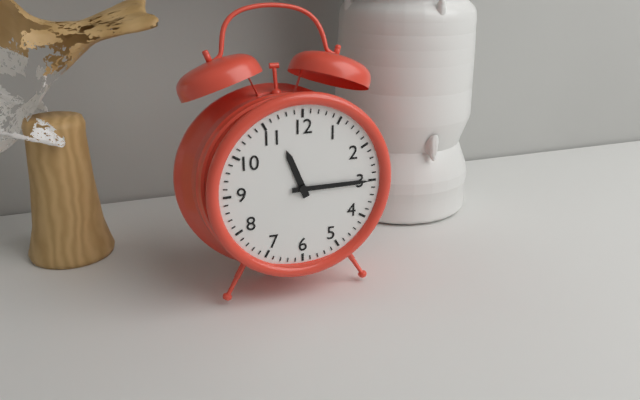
11h15
